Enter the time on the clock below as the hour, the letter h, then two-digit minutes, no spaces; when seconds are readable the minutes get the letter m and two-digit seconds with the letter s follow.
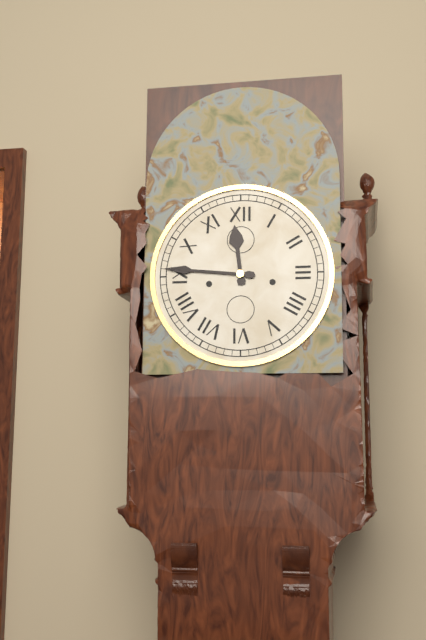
11h46
